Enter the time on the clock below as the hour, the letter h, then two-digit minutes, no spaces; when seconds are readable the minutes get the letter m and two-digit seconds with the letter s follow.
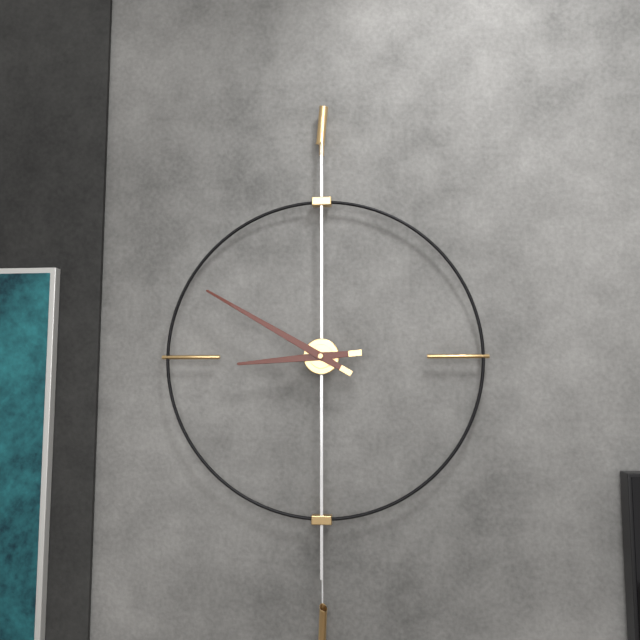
8h50
